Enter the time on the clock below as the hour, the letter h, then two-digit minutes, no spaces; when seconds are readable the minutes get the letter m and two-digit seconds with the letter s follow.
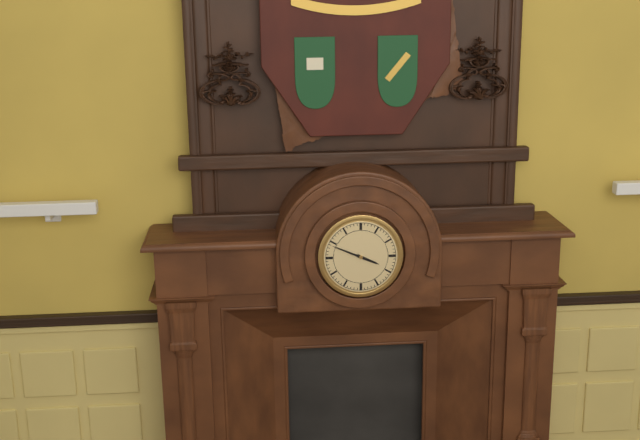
3h49
